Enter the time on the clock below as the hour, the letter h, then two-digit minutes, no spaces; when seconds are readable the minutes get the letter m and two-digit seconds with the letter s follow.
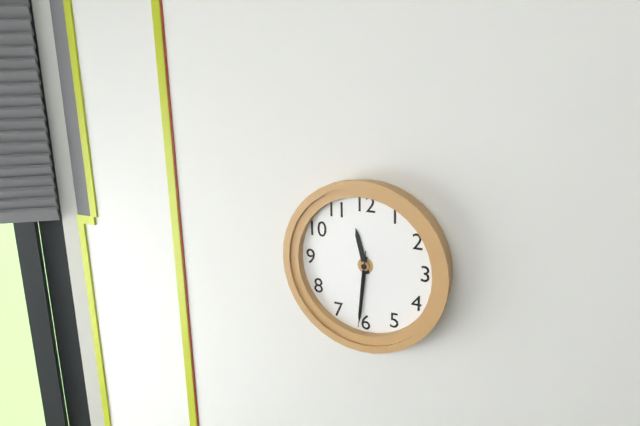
11h31m31s
